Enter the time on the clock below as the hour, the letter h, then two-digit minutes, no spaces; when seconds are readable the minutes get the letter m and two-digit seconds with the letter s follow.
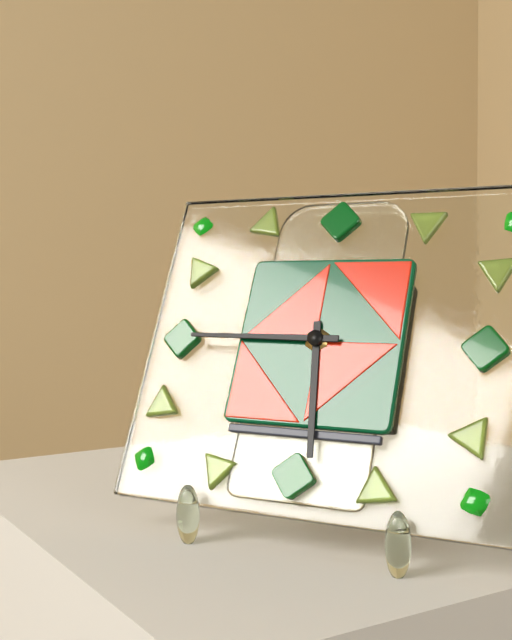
5h45
